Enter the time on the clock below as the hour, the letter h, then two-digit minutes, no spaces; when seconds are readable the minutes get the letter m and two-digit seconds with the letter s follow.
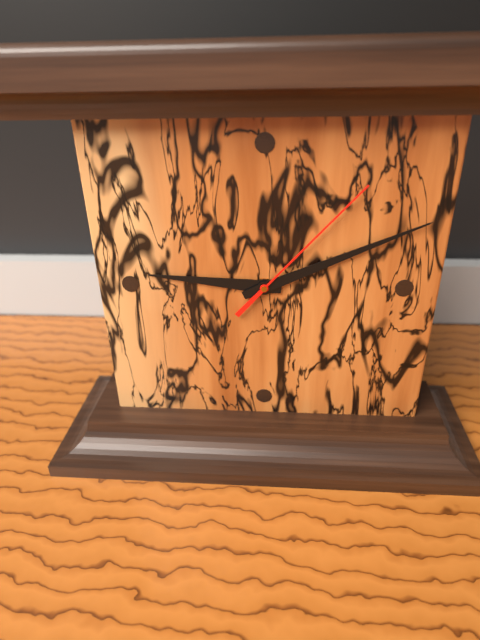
9h11m07s
